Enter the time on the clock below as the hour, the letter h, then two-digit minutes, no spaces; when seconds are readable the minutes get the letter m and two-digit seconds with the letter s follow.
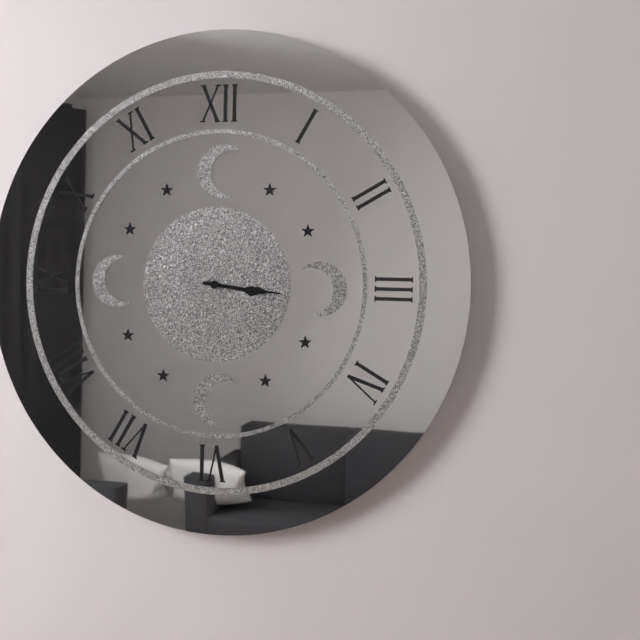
3h16
